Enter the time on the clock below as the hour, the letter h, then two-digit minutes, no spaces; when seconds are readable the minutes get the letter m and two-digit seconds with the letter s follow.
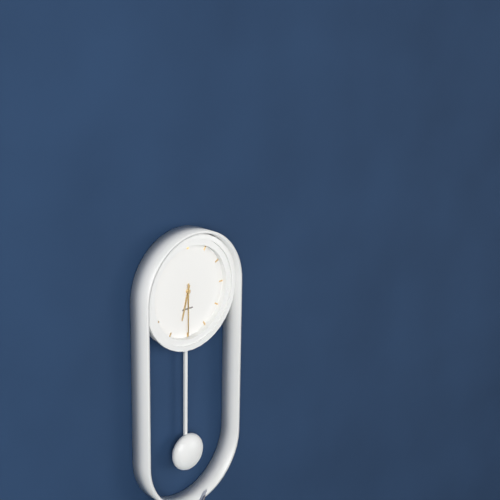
6h30
